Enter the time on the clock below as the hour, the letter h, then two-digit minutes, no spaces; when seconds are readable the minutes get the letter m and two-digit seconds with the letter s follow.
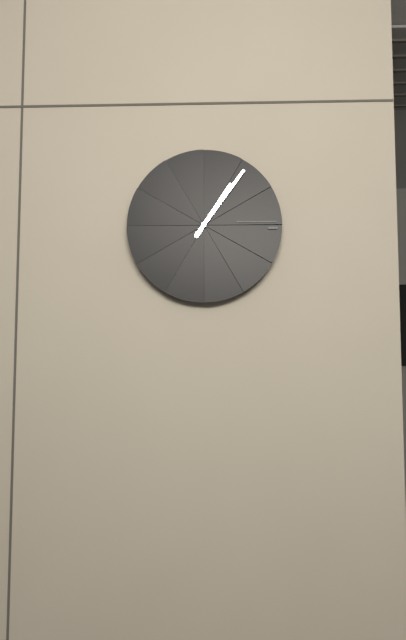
1h06
